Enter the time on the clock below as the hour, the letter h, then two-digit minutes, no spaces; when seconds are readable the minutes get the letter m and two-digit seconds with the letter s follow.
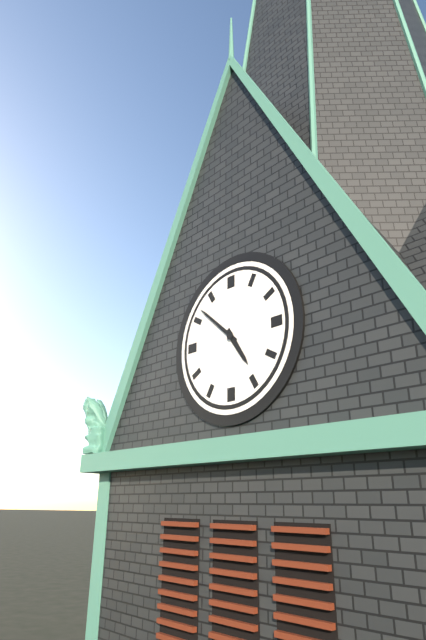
4h52
